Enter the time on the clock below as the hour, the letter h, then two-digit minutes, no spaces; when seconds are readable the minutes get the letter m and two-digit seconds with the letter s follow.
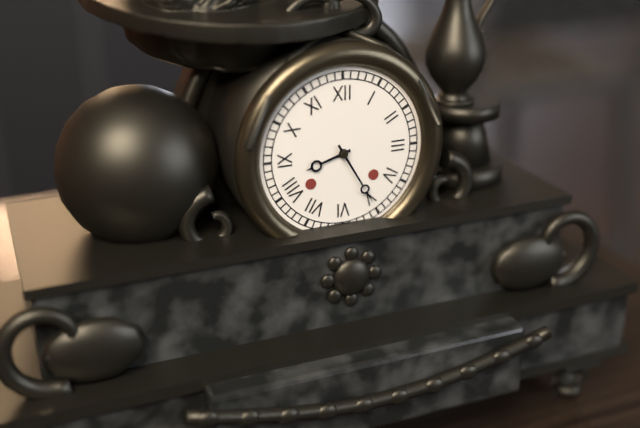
8h25
